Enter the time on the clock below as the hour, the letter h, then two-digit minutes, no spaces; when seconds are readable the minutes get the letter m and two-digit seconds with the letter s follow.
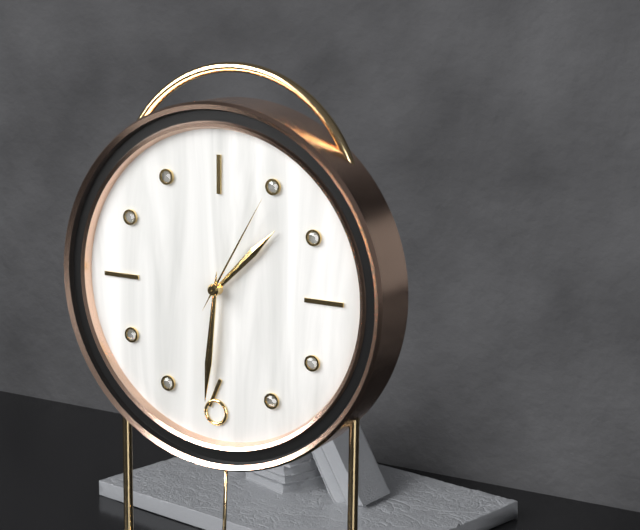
1h31m05s
